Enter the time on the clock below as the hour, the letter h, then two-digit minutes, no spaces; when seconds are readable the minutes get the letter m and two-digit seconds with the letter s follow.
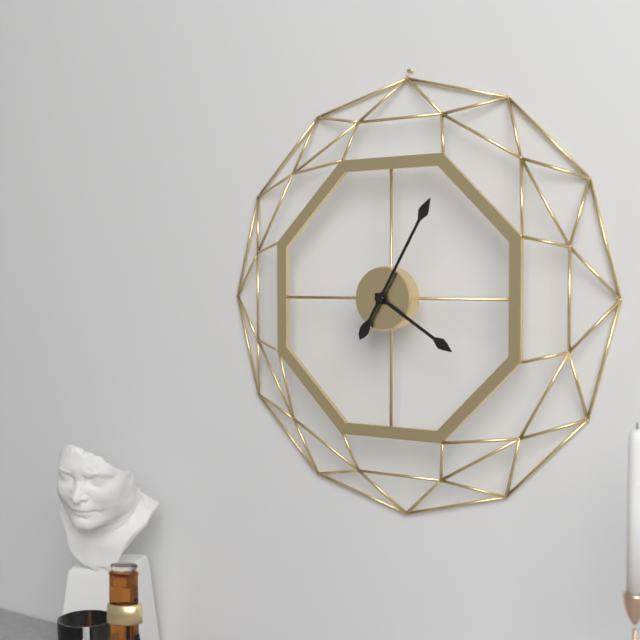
4h05
